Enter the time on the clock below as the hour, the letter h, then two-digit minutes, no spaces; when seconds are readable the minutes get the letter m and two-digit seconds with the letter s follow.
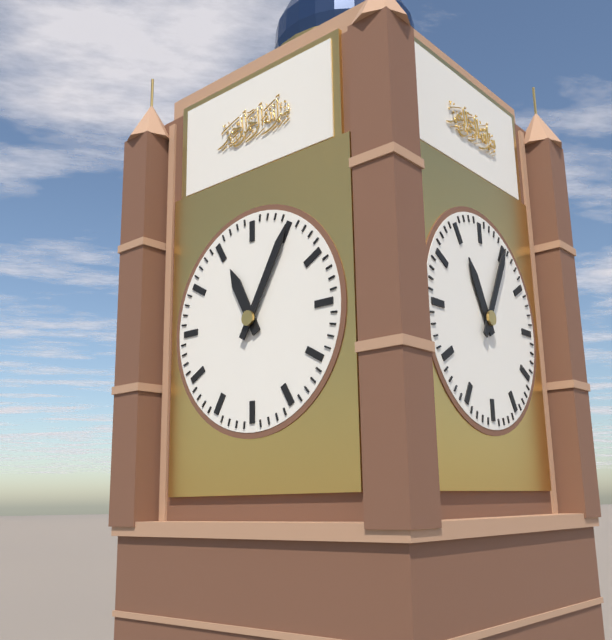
11h05
